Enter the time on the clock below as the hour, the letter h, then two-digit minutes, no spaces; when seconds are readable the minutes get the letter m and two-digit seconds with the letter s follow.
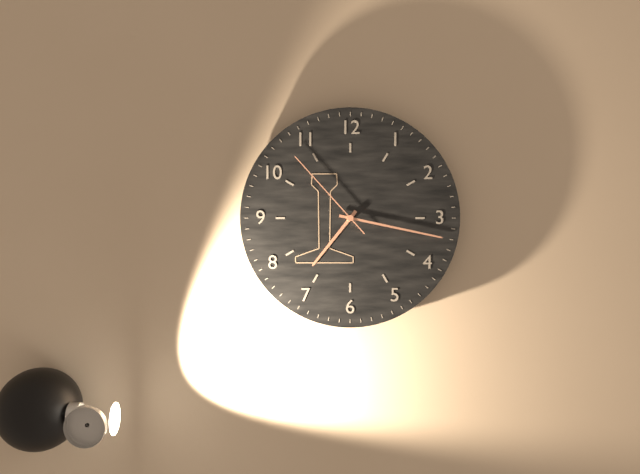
7h17m53s
